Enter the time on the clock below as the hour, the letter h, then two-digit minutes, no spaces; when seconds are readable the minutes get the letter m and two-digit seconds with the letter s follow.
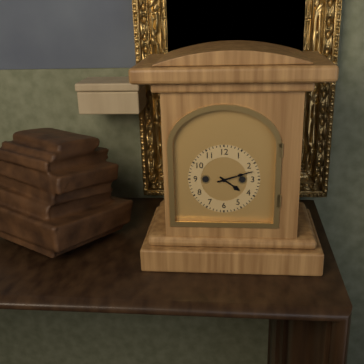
4h12
